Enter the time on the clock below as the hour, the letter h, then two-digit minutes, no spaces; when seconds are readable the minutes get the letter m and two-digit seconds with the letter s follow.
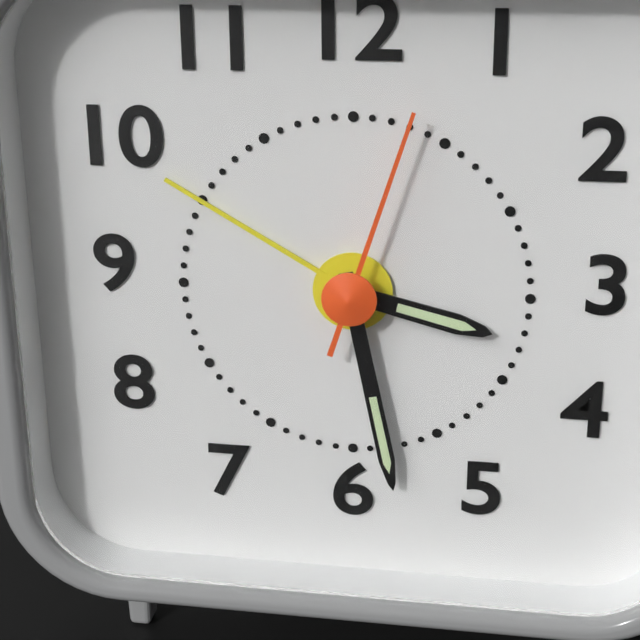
3h28m03s
